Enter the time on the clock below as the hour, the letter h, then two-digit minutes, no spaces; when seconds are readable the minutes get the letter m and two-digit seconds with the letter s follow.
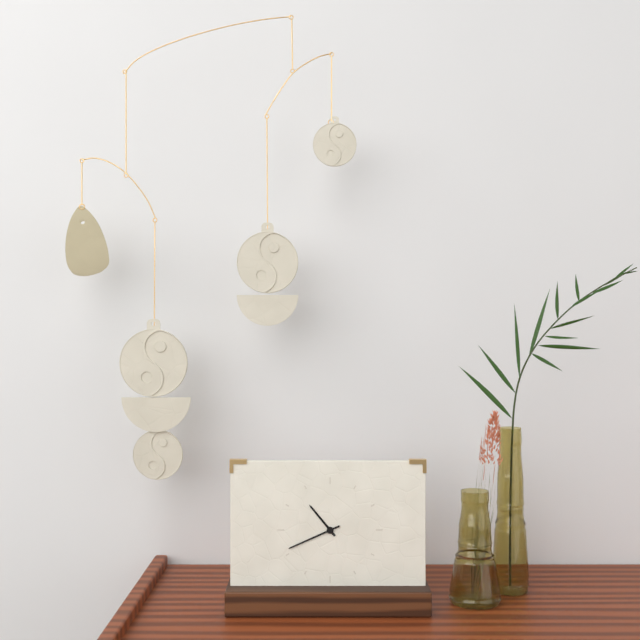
10h41
